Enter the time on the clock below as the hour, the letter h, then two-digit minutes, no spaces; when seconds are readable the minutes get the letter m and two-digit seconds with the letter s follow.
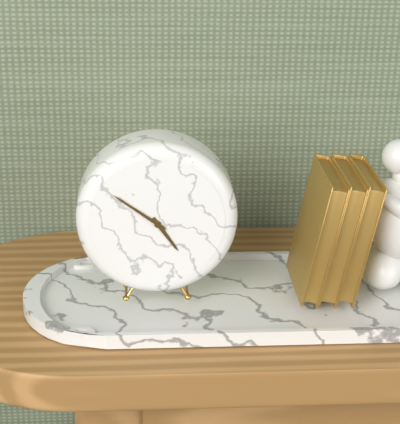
4h51
